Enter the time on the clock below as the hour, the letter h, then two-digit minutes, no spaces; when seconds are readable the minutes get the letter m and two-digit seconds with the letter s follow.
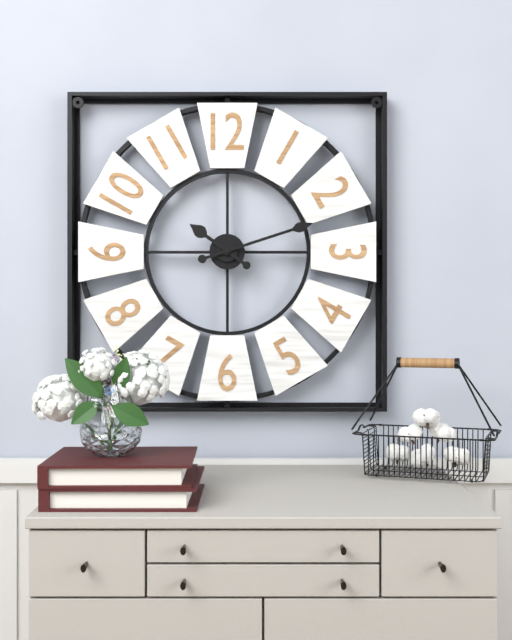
10h12
